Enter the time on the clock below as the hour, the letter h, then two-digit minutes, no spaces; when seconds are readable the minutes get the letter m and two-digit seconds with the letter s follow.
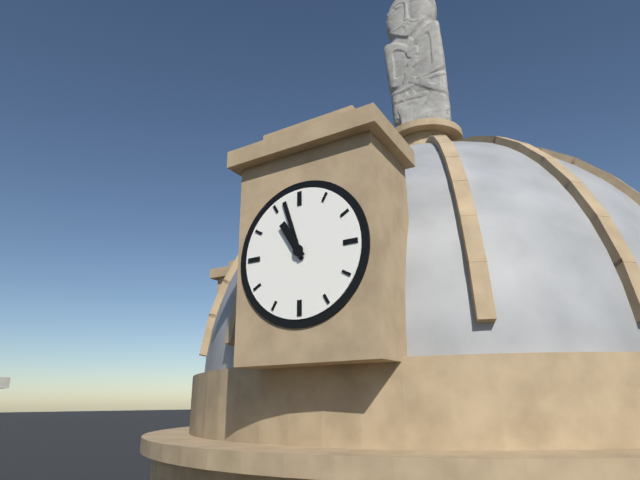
10h57
